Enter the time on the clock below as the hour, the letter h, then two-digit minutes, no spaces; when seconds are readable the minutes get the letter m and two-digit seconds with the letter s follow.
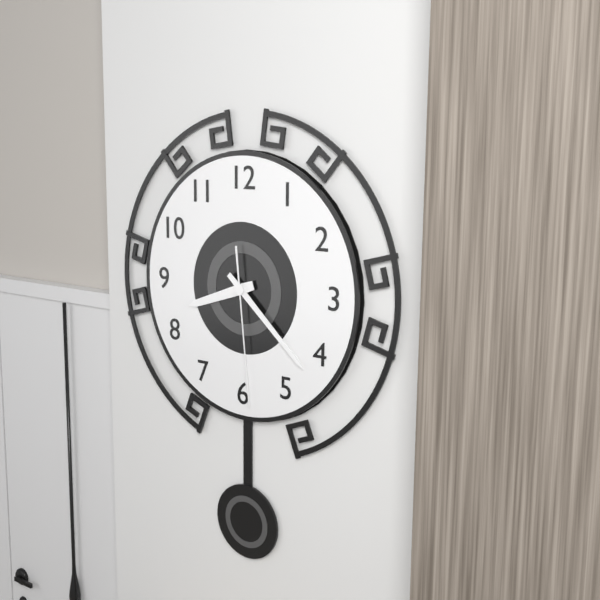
8h22m29s
